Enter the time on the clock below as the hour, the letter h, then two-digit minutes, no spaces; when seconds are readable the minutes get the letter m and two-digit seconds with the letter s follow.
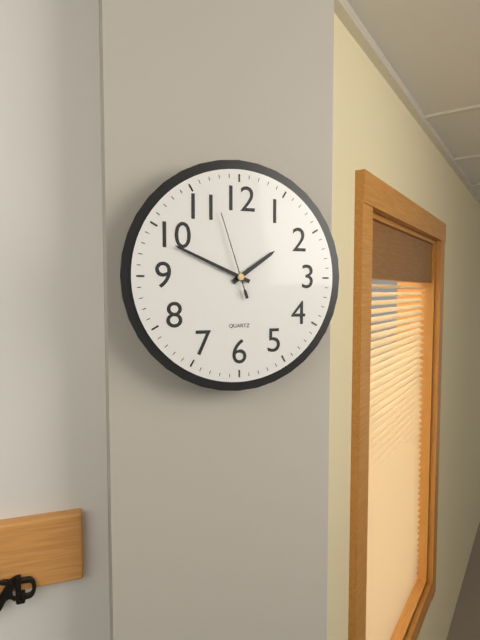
1h49m57s
